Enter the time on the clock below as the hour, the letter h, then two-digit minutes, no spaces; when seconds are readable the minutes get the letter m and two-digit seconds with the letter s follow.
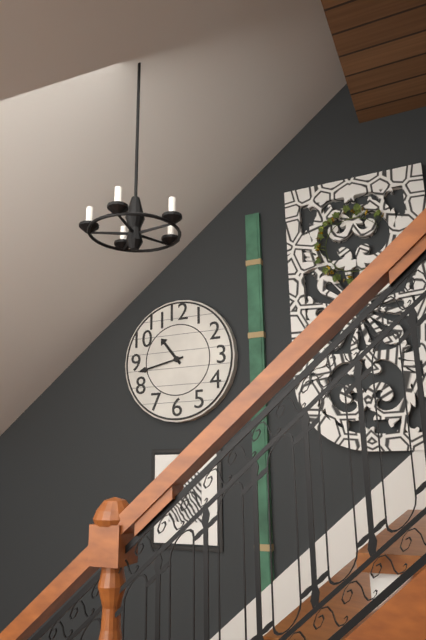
10h43
